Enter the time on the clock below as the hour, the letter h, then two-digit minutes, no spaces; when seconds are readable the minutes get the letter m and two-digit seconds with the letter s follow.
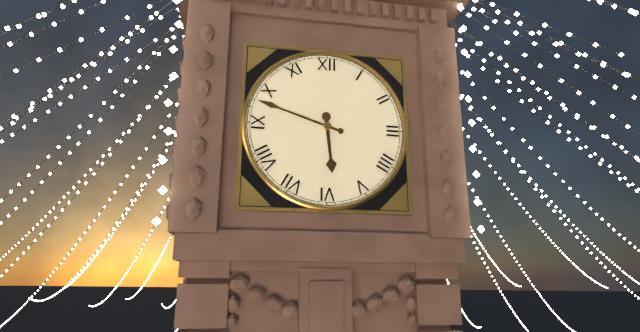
5h48
